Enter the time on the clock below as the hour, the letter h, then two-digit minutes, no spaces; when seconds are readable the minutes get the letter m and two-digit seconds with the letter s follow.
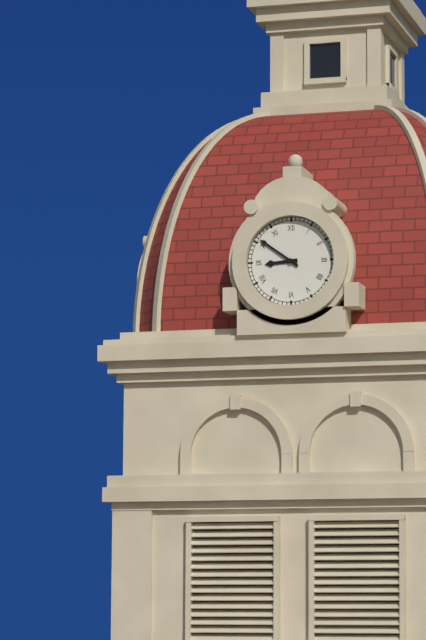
8h51
